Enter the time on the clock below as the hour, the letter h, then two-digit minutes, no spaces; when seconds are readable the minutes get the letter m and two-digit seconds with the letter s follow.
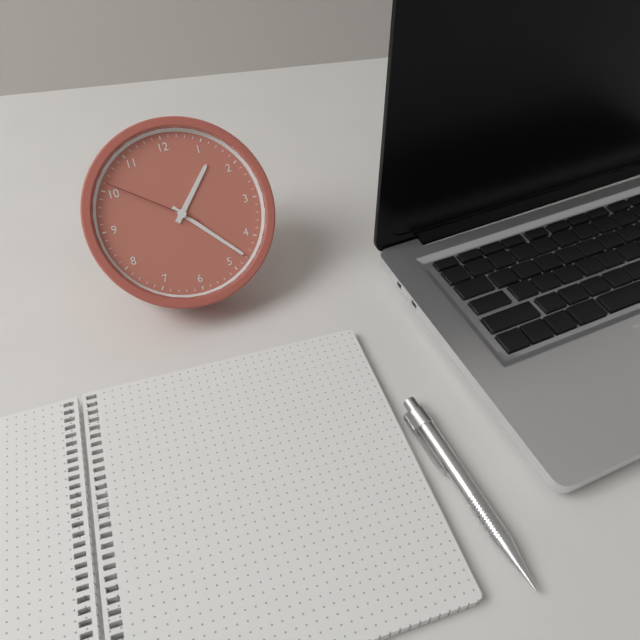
1h23m51s
